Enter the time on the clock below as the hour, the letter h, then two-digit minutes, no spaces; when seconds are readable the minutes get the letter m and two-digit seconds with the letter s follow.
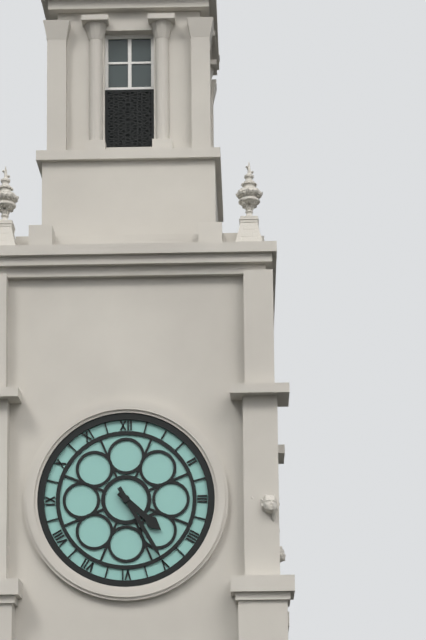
4h25
